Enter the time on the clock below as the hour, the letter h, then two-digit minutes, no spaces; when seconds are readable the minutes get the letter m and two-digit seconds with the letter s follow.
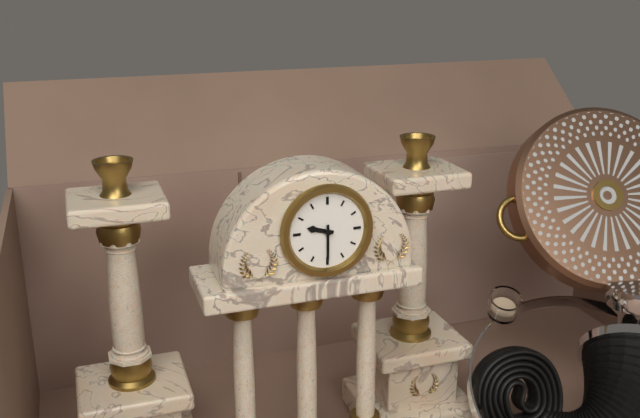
9h30
